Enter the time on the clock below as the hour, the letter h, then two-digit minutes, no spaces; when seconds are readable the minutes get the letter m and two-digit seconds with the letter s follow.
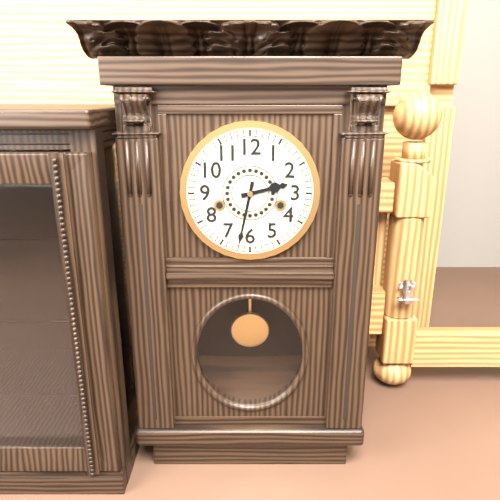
2h32
